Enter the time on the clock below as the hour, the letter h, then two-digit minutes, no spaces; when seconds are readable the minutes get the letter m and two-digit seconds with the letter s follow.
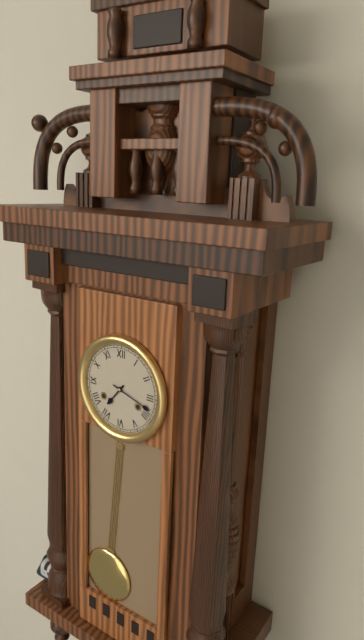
7h18
